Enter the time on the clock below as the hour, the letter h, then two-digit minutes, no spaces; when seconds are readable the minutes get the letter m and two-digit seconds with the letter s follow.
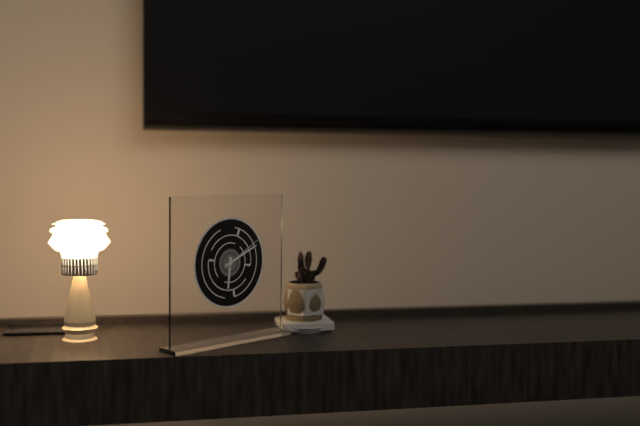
6h11
